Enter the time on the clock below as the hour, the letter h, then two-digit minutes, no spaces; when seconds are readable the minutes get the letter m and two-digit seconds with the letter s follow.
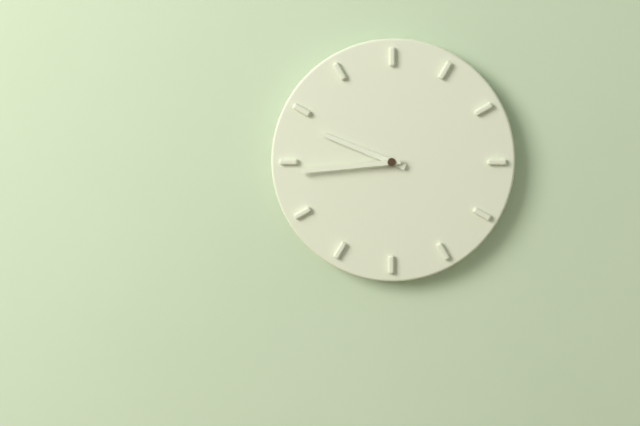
9h44
